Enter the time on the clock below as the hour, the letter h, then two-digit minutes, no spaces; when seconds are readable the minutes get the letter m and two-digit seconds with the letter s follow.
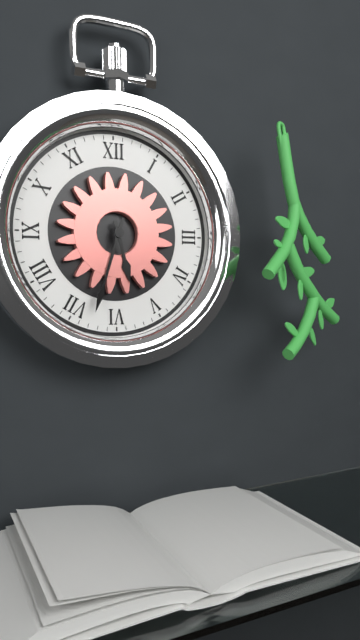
5h33
